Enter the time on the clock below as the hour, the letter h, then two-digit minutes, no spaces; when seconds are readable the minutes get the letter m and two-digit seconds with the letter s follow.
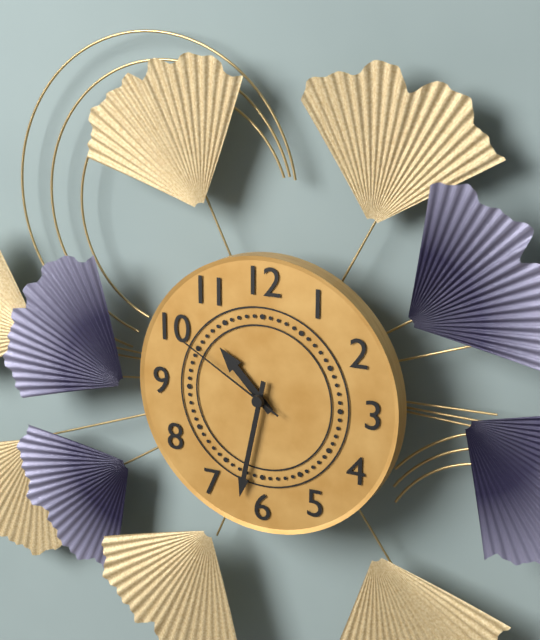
10h32m50s
